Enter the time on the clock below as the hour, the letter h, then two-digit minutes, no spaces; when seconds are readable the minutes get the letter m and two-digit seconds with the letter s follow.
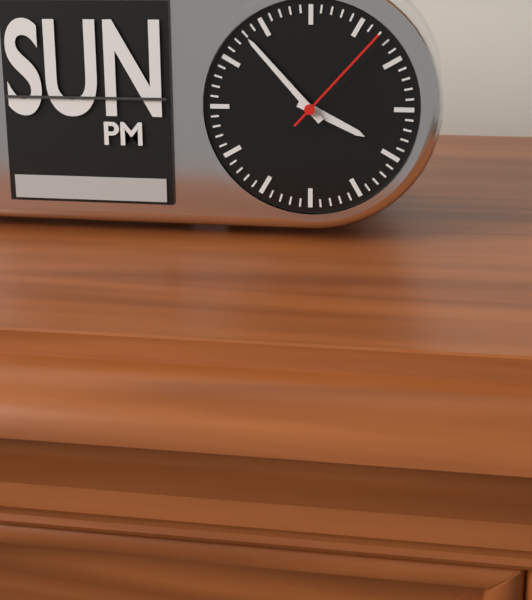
3h53m07s
